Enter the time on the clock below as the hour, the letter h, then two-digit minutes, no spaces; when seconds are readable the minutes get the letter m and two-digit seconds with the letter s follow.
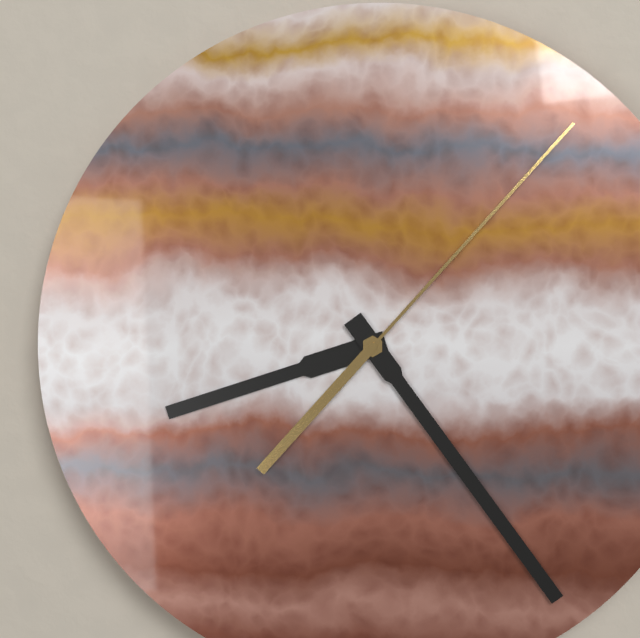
8h24m07s
